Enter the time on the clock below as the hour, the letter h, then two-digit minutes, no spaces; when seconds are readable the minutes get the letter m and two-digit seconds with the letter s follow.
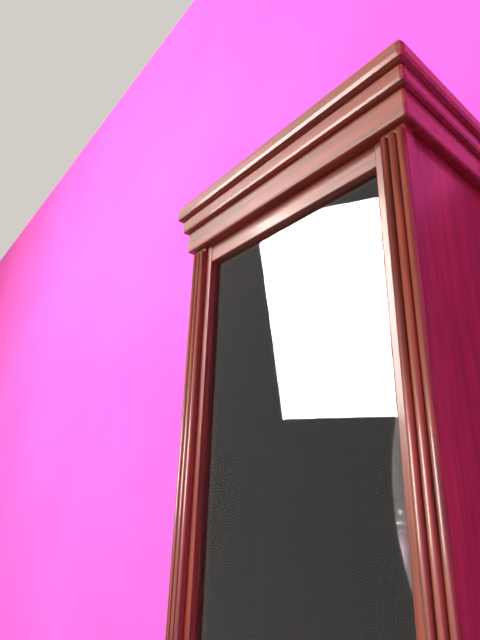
12h38
